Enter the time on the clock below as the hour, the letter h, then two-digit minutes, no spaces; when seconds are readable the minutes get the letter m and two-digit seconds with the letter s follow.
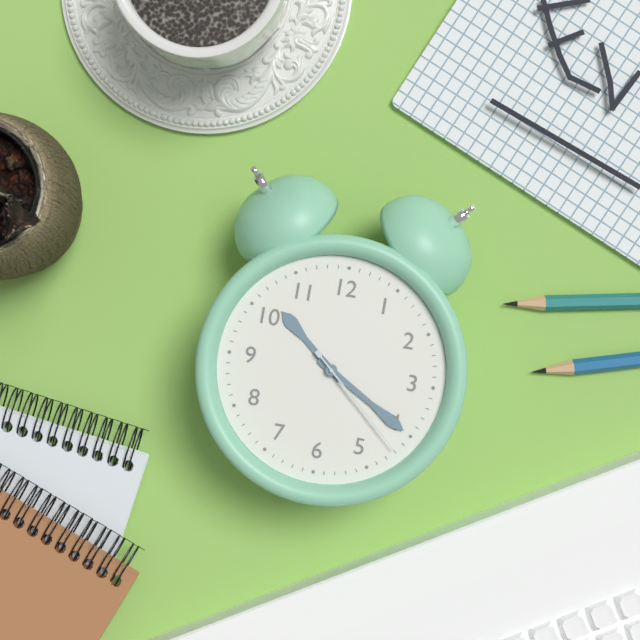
10h20m22s
